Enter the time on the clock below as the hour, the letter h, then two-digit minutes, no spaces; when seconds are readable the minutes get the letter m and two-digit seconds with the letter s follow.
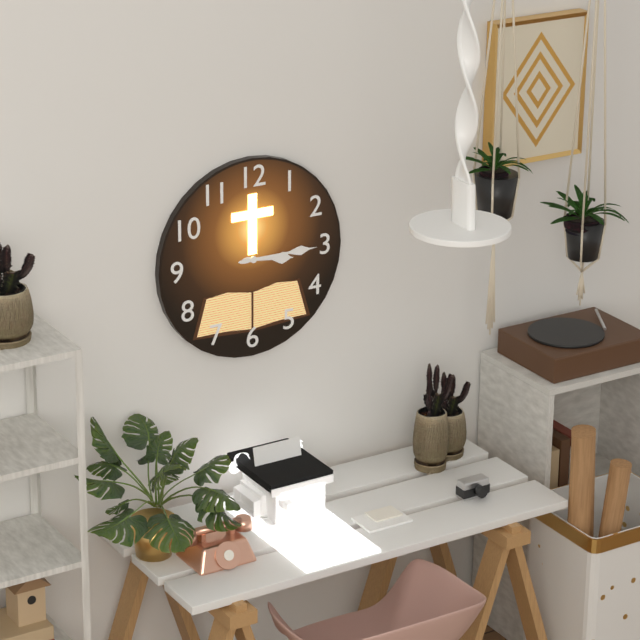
3h15
